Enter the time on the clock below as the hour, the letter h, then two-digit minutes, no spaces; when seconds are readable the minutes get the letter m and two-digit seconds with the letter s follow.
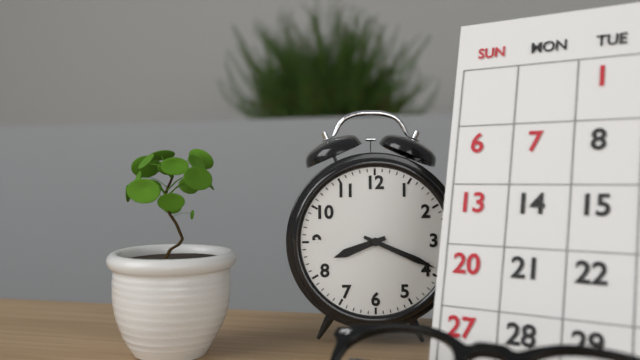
8h19
